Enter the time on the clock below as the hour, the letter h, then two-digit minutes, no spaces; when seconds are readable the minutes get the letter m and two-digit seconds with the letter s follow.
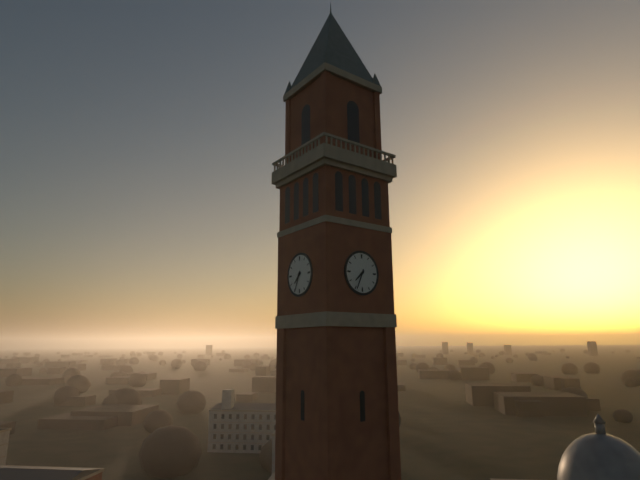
7h34
